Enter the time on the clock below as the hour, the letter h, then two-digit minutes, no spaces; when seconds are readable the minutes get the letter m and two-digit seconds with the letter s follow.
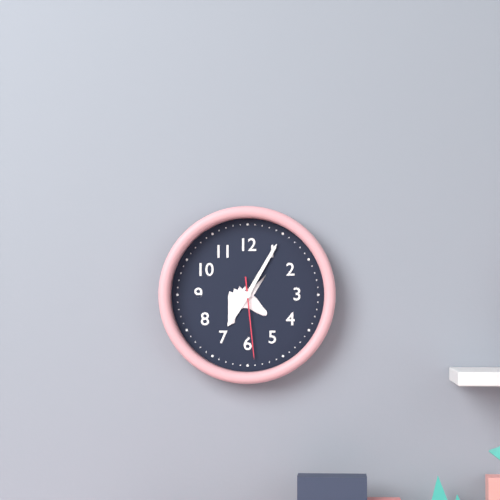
7h05m29s
